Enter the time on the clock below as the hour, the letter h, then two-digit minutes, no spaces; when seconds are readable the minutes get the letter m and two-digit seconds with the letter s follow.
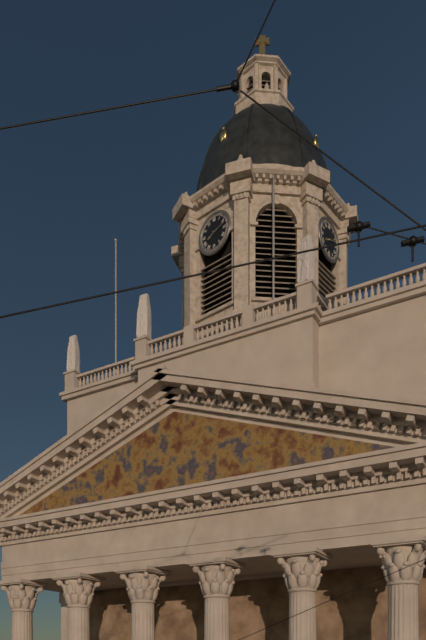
8h12
